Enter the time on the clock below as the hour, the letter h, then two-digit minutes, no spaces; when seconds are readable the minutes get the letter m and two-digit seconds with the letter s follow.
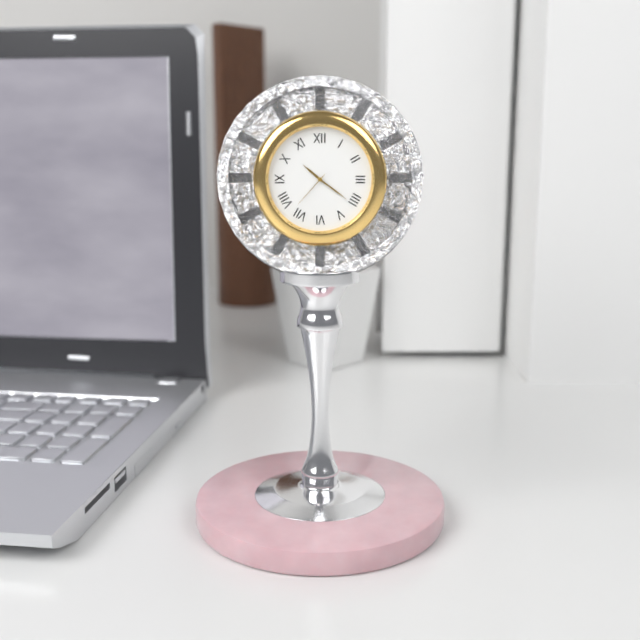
10h21
